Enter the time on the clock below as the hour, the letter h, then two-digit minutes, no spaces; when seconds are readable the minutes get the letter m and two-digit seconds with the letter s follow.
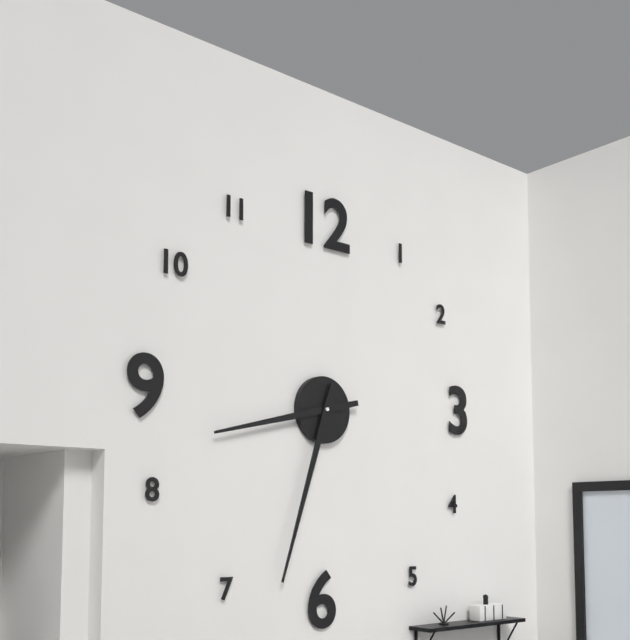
8h33
